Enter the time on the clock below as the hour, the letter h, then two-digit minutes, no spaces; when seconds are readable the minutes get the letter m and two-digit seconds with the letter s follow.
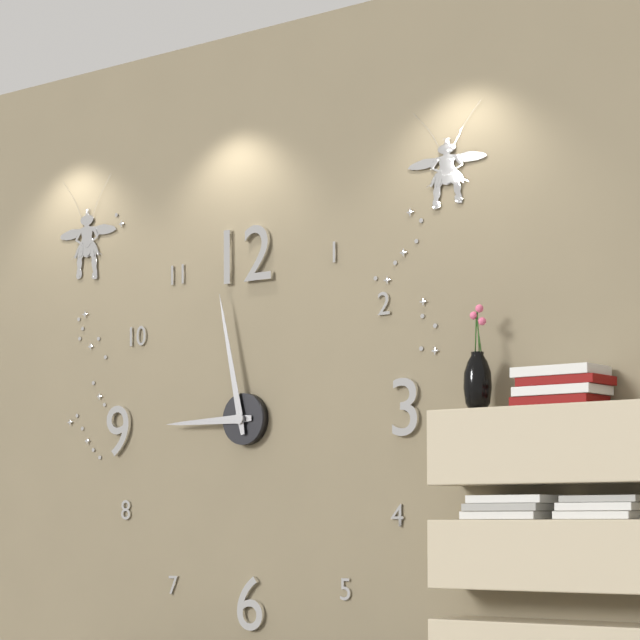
8h58
